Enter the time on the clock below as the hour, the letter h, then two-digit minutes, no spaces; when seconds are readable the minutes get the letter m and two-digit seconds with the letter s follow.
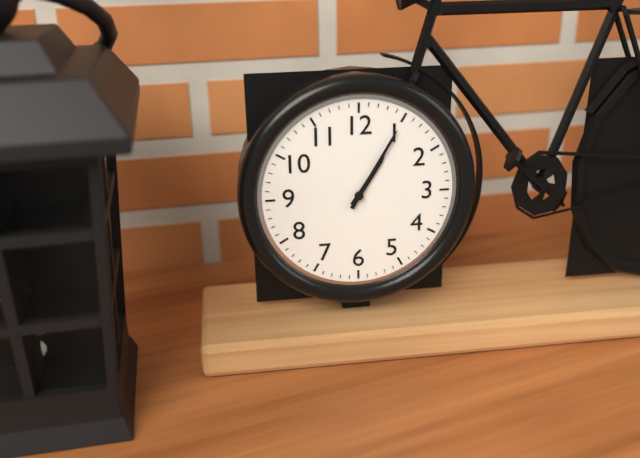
1h05
